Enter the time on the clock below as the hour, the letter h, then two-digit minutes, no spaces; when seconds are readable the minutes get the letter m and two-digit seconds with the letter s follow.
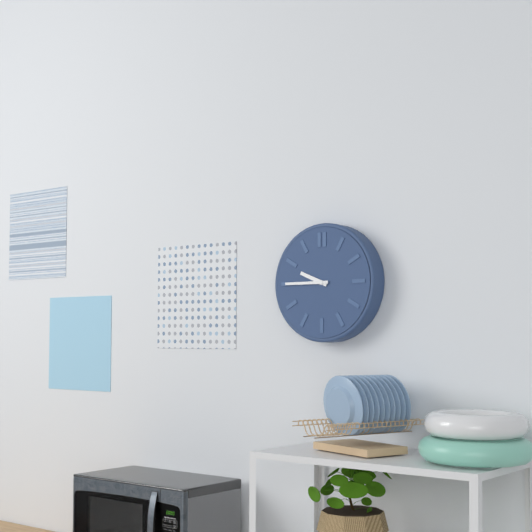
9h45
